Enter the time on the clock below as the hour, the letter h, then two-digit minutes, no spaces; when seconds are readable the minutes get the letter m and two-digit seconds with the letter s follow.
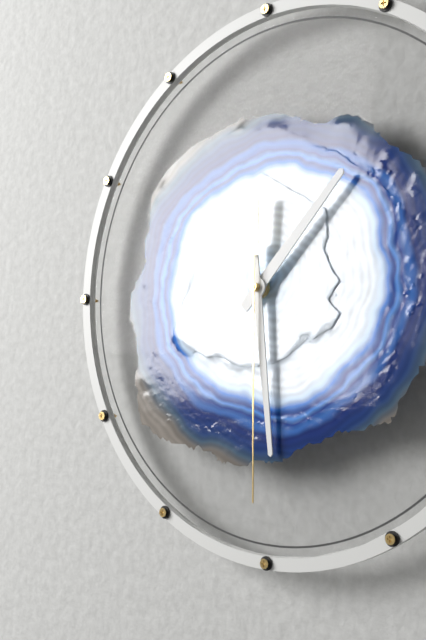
1h29m30s
